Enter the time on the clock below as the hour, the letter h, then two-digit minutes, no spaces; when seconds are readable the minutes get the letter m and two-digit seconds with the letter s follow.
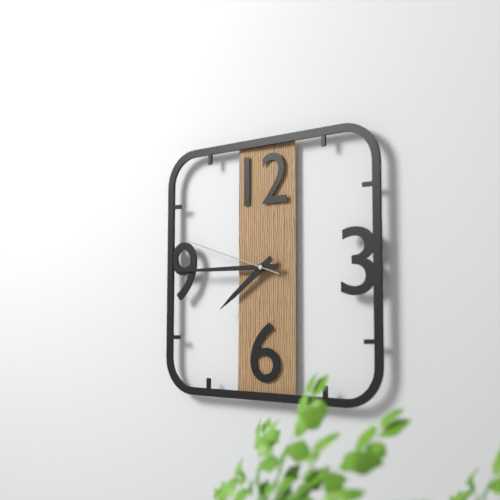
7h45m48s
